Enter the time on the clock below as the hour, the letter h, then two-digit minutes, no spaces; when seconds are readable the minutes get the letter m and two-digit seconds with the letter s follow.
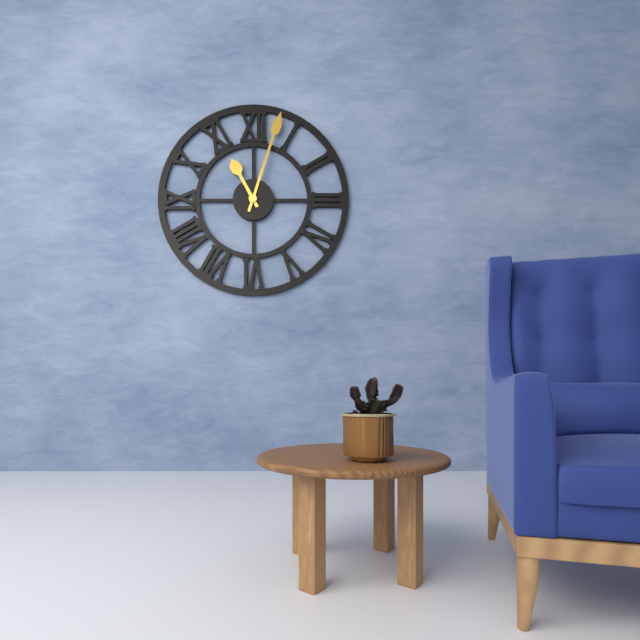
11h03
